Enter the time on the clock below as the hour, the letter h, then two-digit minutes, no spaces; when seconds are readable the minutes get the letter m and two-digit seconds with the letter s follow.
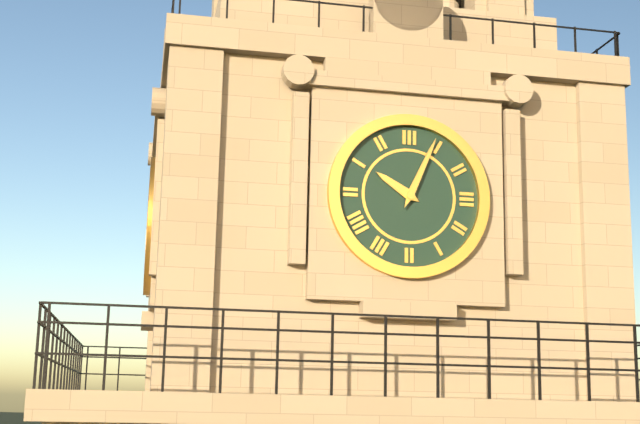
10h04
